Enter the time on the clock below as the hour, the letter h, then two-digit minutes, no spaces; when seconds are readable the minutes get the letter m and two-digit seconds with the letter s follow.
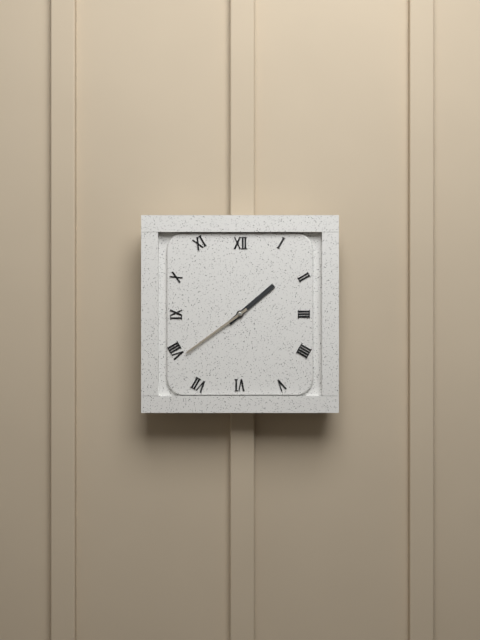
1h39
